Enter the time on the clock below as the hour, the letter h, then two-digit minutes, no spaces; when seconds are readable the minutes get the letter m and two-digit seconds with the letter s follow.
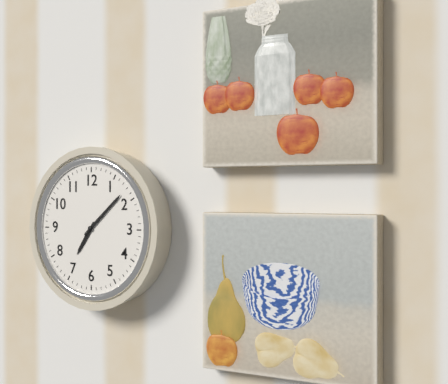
7h08
